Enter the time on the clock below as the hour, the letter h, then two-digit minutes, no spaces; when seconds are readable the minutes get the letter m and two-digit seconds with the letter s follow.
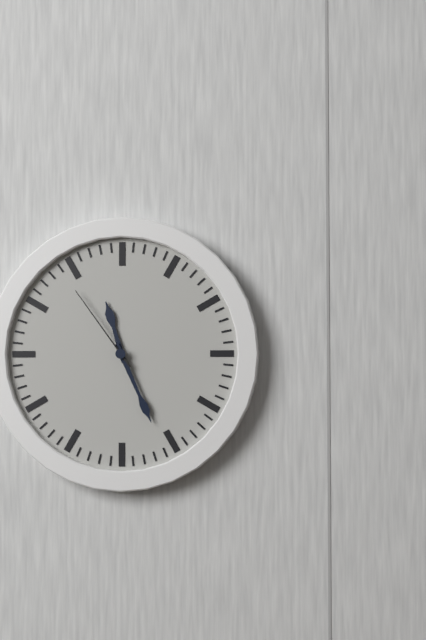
11h26m54s
